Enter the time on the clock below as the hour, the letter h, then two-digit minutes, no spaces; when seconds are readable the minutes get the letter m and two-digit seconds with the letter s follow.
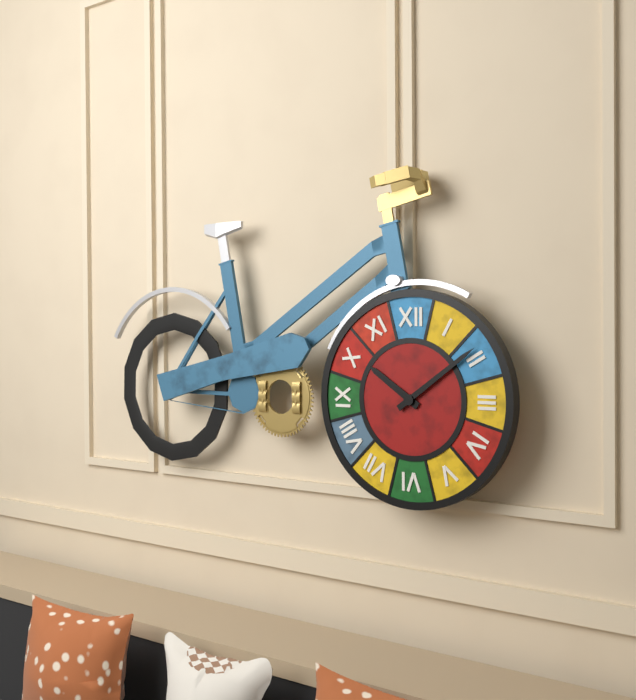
10h09
